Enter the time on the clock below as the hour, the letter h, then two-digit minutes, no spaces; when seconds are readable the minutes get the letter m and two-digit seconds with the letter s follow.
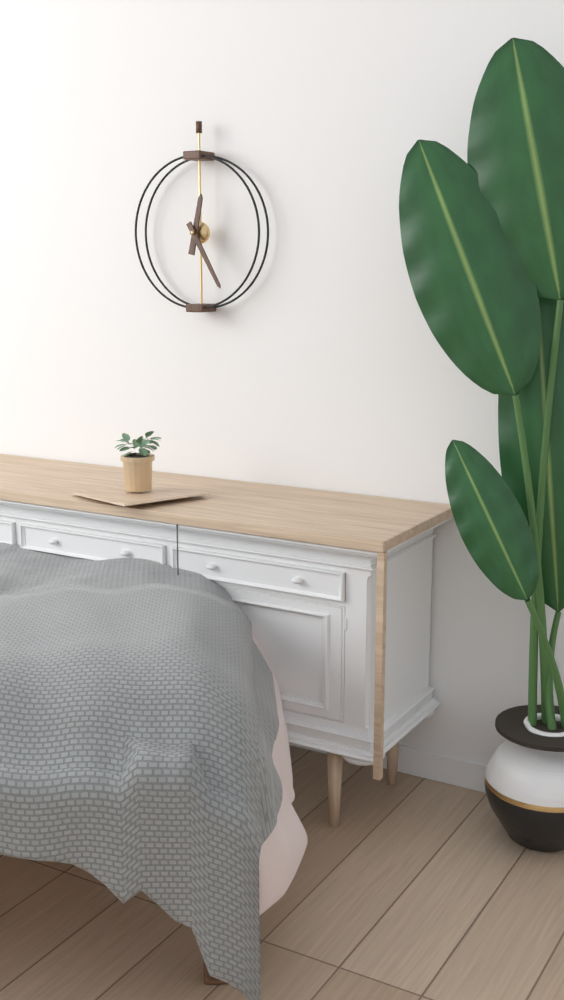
12h25
